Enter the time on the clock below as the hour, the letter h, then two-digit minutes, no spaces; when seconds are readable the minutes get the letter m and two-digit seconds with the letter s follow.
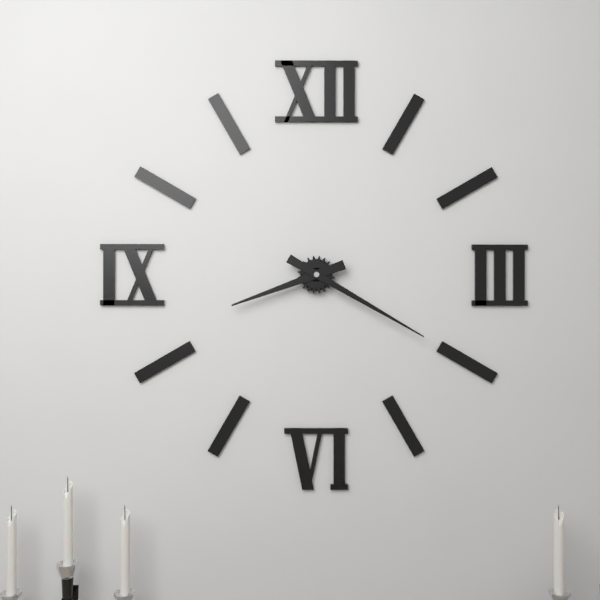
8h20
